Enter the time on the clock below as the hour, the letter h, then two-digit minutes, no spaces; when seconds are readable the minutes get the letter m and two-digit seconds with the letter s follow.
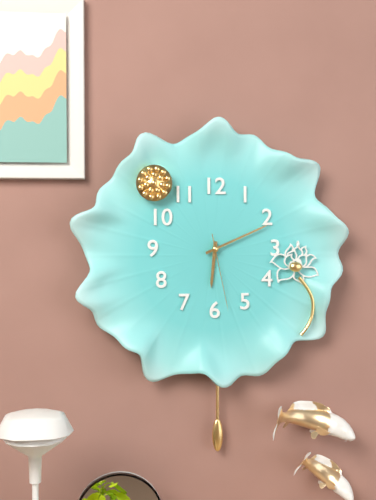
6h11m28s
